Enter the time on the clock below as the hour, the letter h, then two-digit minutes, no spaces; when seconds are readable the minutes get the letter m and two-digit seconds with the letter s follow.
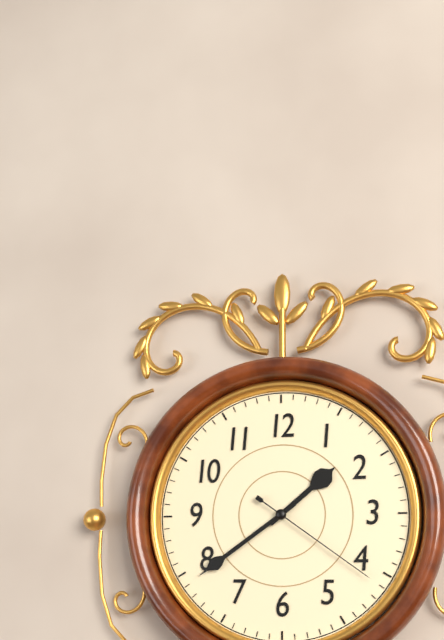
1h39m21s
